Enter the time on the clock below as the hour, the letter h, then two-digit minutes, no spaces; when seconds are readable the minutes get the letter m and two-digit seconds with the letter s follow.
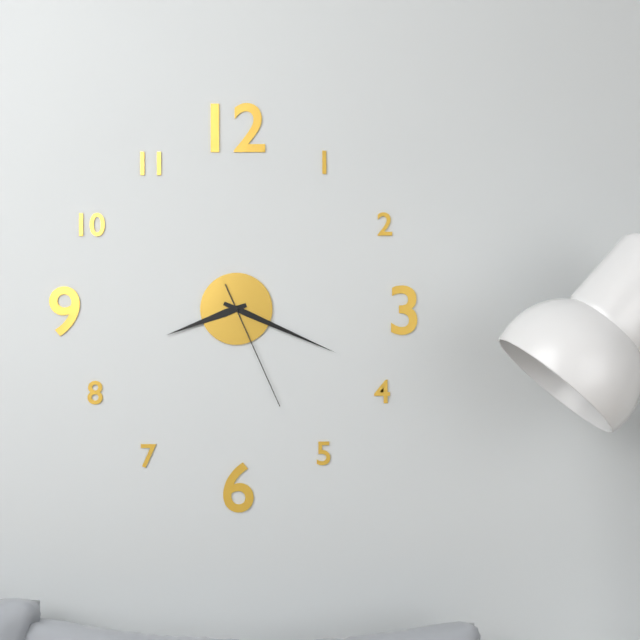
8h19m26s
